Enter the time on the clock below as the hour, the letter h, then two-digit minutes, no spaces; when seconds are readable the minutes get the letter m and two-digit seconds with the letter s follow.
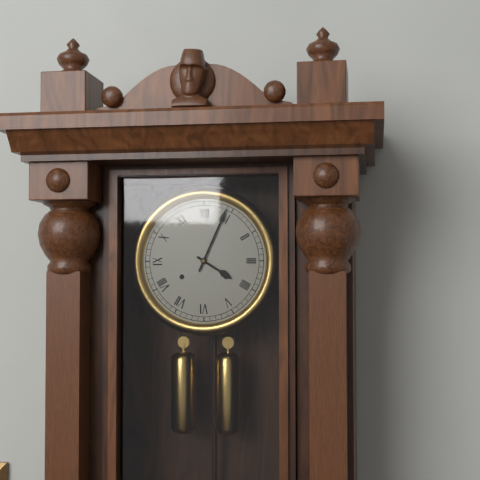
4h04
